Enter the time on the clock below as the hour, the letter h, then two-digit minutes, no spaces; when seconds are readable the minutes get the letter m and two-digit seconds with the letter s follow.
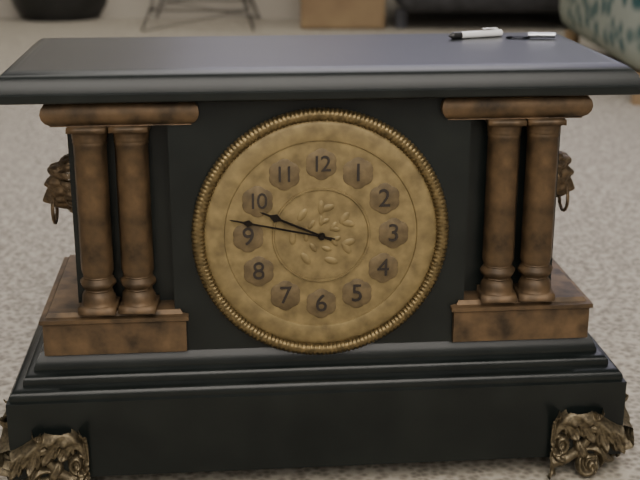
9h47
